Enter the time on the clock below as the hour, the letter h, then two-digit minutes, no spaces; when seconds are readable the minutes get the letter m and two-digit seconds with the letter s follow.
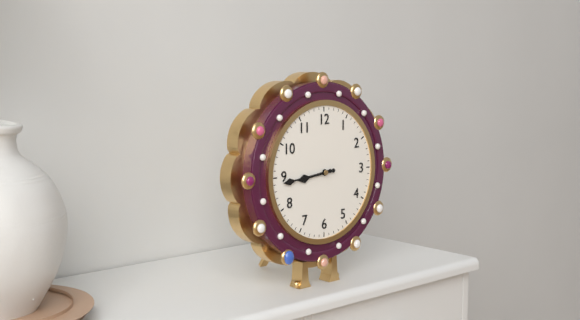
8h44
